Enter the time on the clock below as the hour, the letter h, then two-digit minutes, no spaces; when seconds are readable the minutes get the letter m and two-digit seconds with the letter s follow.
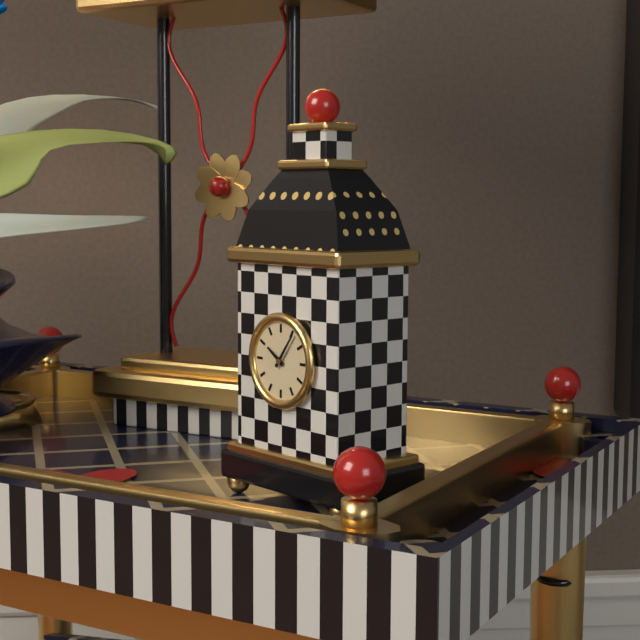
10h06
